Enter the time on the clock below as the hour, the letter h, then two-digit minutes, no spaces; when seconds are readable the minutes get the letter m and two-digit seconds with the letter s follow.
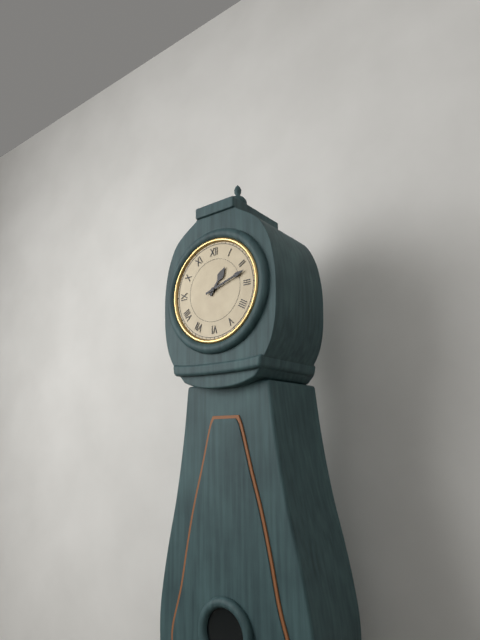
1h12
